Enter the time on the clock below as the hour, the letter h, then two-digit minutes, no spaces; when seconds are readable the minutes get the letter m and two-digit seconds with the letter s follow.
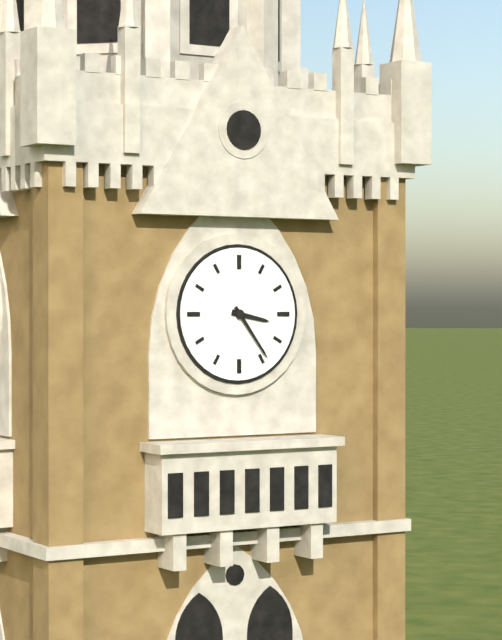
3h24
